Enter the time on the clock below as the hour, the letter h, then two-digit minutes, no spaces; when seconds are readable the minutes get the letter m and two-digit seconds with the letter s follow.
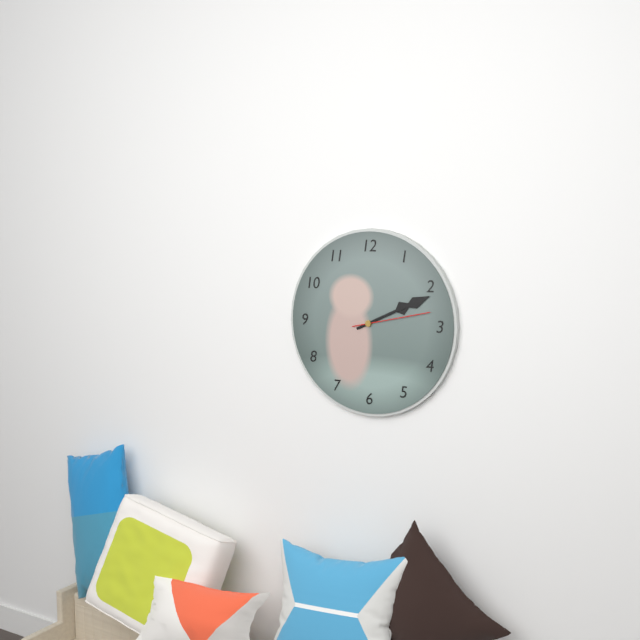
2h11m13s
